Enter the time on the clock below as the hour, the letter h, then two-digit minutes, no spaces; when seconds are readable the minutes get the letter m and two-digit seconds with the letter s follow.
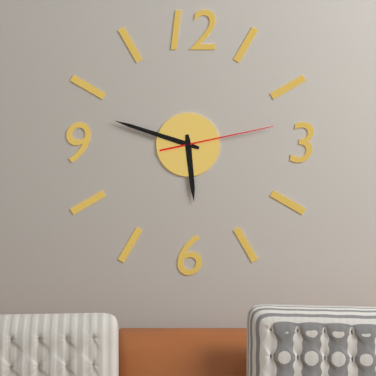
5h48m13s
